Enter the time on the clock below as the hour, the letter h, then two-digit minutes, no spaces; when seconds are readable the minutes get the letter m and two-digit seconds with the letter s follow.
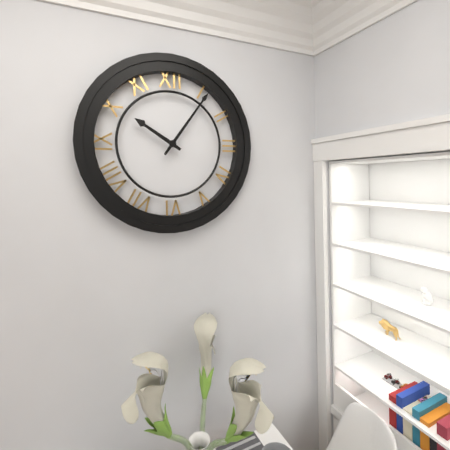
10h06
